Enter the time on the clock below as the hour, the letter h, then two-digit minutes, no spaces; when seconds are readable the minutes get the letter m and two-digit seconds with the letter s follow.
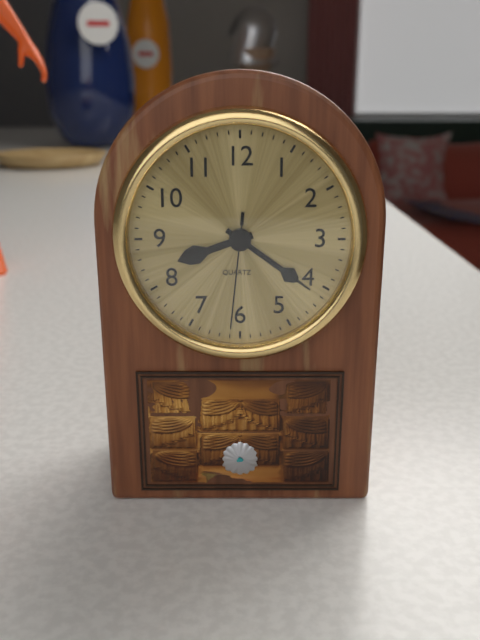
8h21m31s
